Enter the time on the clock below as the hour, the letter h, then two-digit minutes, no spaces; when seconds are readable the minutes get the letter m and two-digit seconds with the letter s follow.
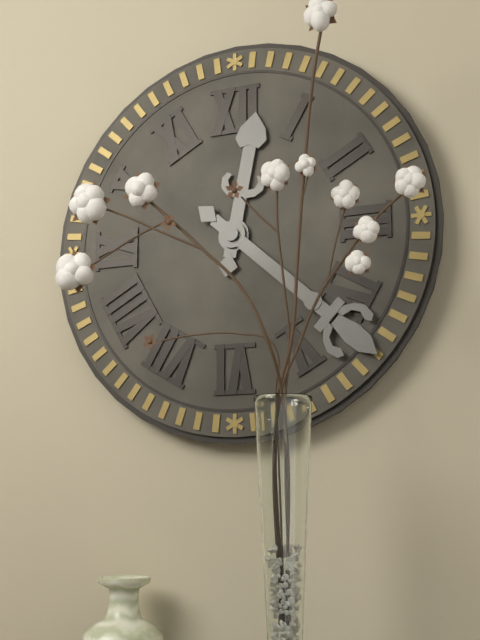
12h22
